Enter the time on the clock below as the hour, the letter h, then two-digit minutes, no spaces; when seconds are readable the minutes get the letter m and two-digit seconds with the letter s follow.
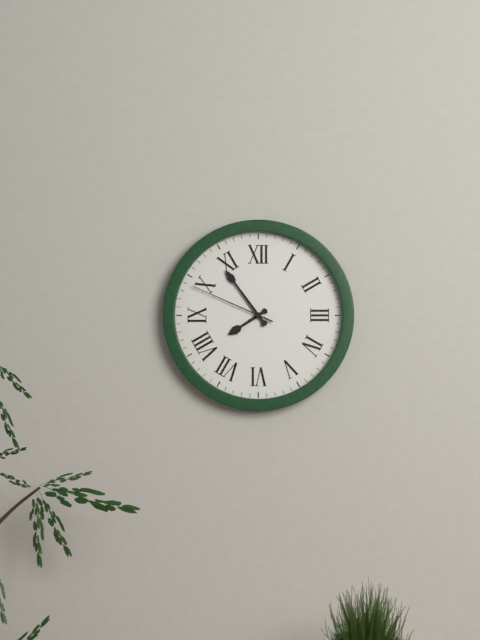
7h54m49s
